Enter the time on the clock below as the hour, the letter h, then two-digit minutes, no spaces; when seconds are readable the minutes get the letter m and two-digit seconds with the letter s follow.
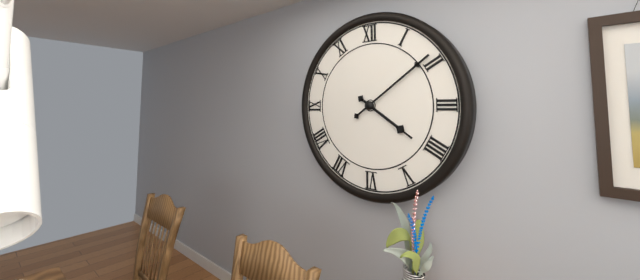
4h09
